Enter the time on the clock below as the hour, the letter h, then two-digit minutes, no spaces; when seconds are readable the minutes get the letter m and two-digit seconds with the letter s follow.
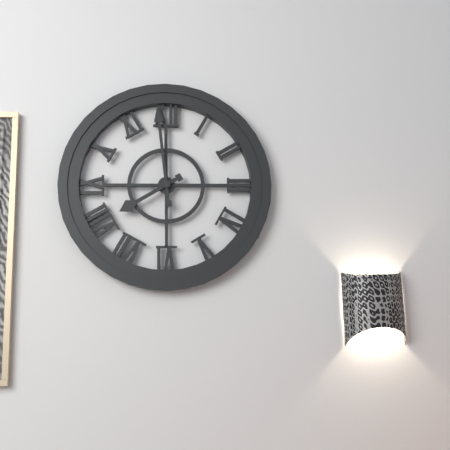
7h59
